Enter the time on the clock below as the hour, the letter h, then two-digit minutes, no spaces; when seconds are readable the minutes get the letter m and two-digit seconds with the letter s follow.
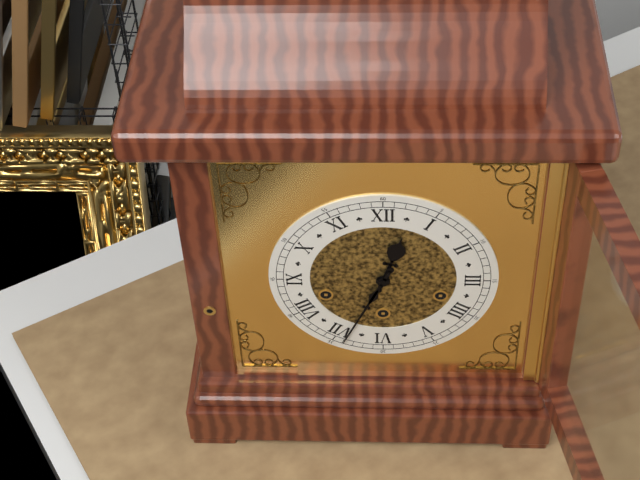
12h34
